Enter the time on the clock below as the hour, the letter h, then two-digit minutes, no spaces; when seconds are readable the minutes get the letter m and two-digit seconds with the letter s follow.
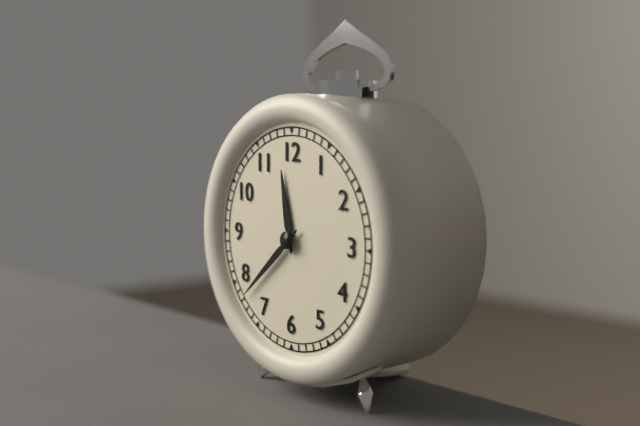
11h38
